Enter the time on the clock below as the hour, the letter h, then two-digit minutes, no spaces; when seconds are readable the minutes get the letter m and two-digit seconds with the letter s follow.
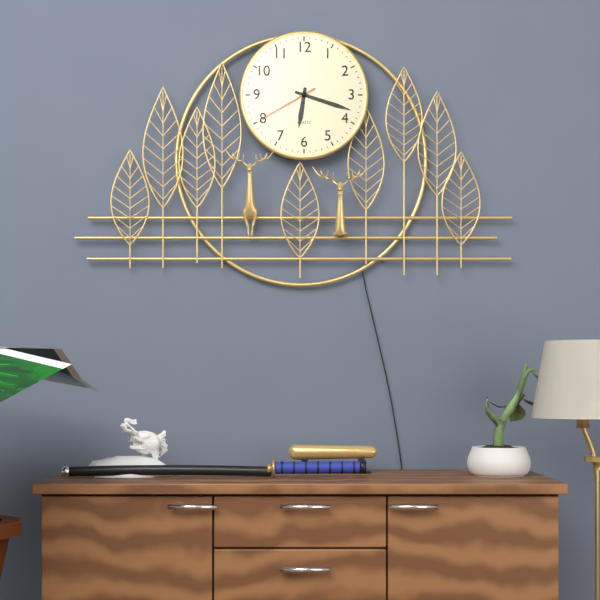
6h18m40s
